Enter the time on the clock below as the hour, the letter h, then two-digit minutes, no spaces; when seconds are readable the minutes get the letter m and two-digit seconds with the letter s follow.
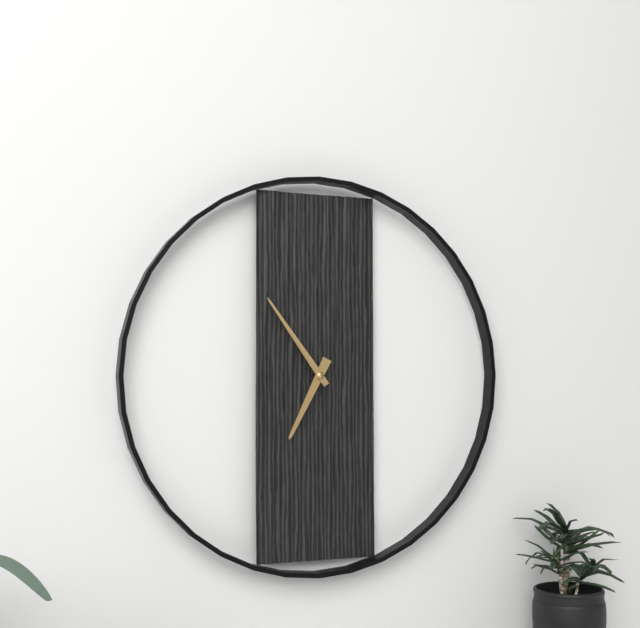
6h54
